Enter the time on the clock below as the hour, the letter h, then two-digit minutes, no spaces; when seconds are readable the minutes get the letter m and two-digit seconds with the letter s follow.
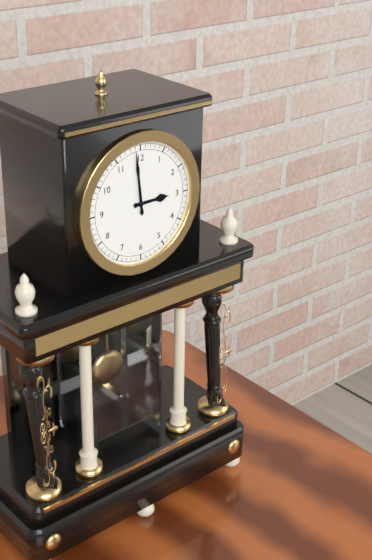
2h59
